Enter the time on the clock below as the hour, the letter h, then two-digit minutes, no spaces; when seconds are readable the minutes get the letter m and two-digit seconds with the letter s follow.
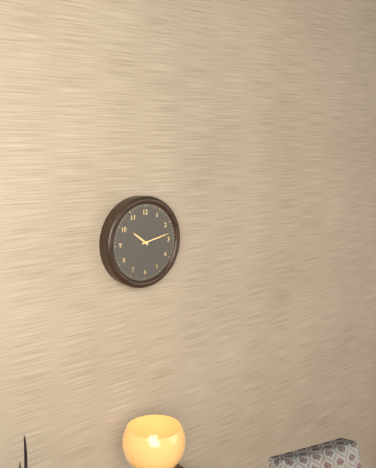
10h13
